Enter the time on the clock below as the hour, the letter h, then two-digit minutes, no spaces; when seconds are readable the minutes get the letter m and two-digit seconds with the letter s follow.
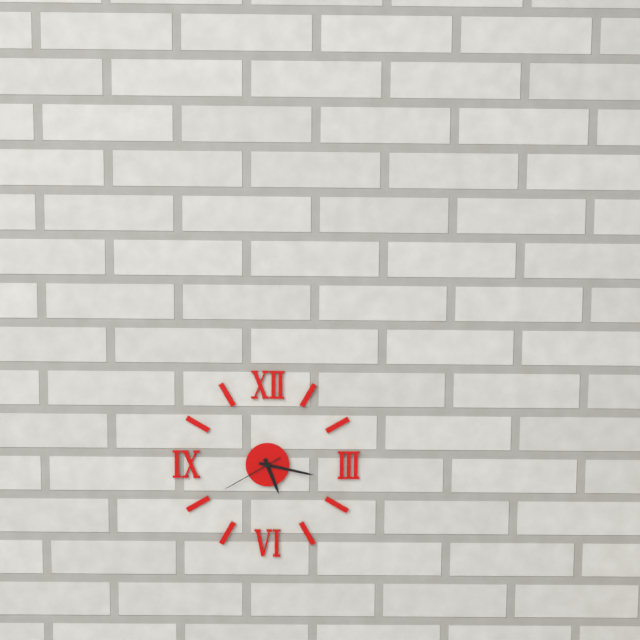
5h17m40s
